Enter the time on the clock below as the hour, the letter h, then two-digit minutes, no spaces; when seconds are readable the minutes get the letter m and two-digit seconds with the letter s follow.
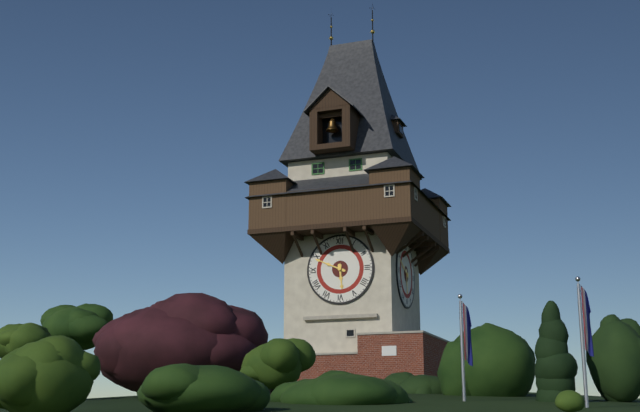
5h49
